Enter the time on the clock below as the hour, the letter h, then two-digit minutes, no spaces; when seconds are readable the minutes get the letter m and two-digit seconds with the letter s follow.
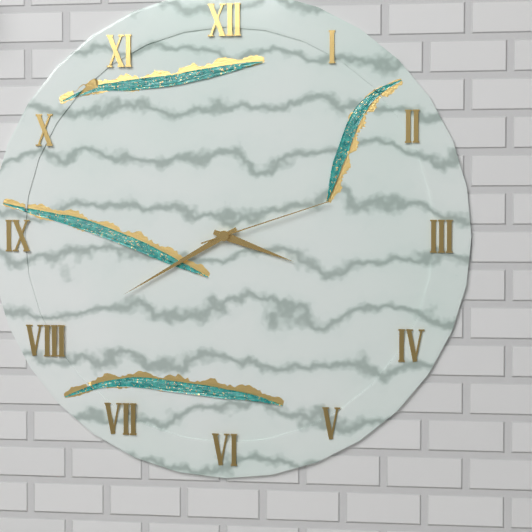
3h40m12s
